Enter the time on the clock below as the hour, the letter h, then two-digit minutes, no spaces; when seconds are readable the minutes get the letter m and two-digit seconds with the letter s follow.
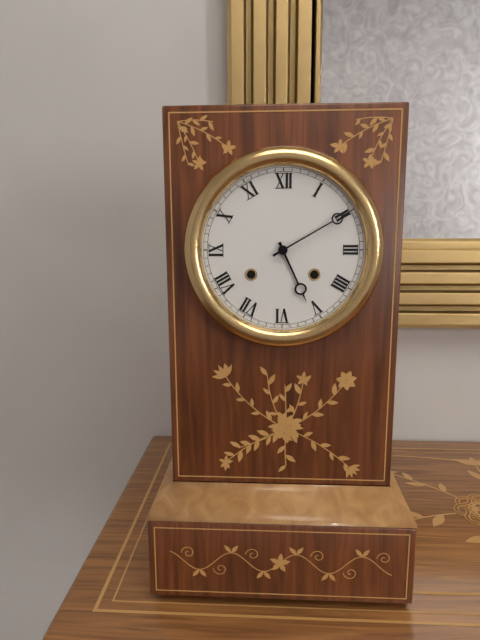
5h10
